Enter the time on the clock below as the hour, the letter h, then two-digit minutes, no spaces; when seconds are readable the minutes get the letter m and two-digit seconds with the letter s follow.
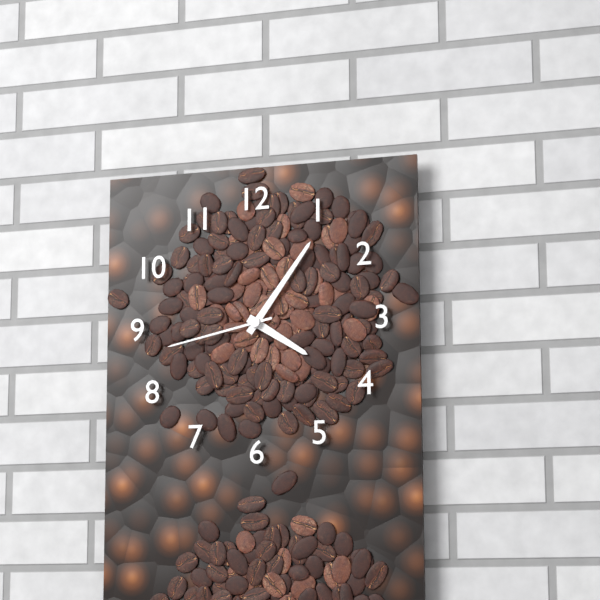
4h06m43s
